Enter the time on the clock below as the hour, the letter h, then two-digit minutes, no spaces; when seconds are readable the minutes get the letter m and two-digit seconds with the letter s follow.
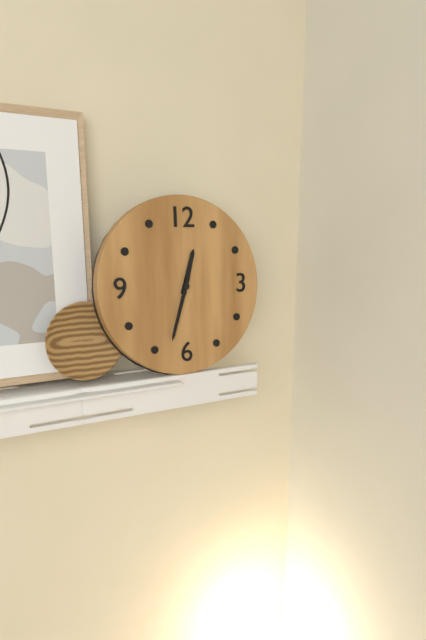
12h33
